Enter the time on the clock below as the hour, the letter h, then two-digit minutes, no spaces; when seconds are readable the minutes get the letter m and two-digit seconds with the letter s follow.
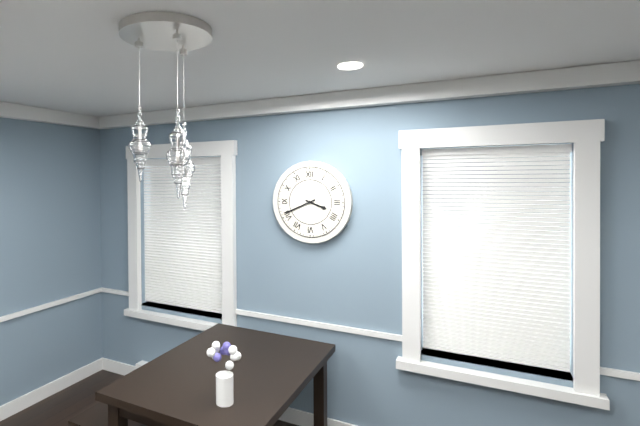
3h41
